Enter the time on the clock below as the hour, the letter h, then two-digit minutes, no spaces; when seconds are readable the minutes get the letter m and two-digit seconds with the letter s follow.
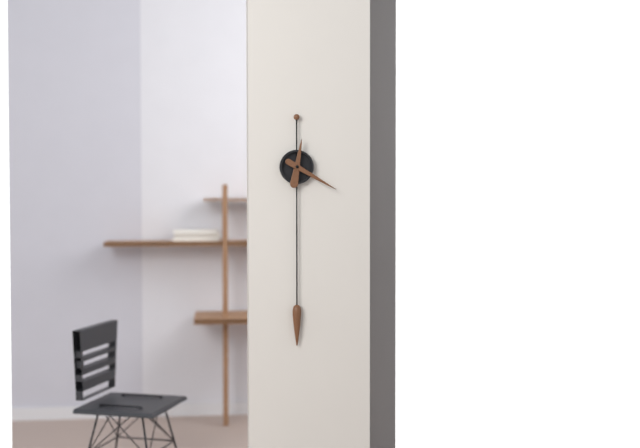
12h20
